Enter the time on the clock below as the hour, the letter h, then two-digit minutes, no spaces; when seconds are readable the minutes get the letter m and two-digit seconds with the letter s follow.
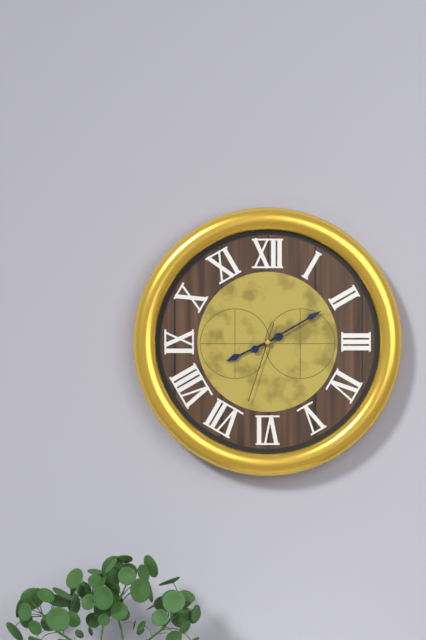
8h10m33s
